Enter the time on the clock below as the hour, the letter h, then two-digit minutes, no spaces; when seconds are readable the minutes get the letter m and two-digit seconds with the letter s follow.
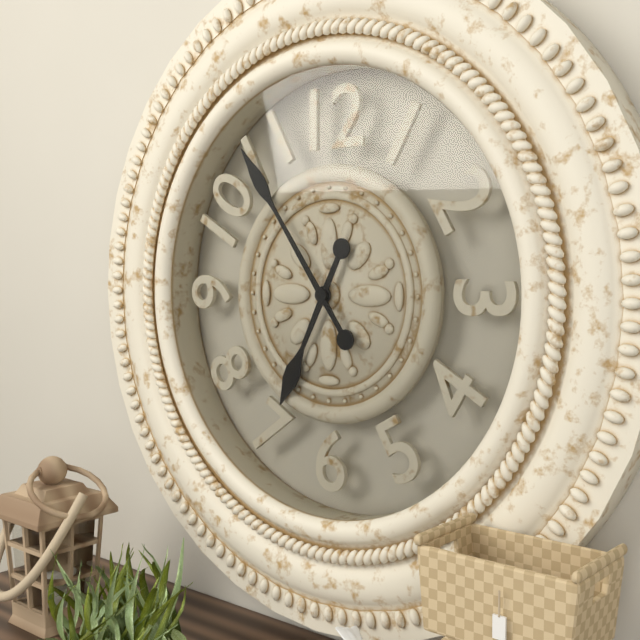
6h54
